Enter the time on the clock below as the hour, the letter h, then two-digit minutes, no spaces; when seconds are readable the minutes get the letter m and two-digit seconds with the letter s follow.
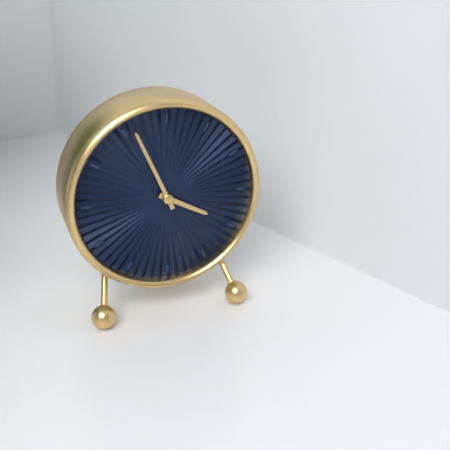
3h56
